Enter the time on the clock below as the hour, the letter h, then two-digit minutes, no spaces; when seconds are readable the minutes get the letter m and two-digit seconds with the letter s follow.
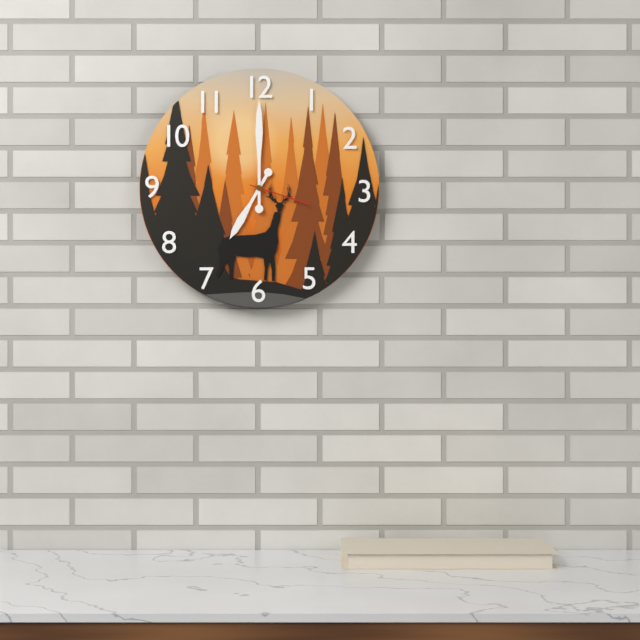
7h00m18s
